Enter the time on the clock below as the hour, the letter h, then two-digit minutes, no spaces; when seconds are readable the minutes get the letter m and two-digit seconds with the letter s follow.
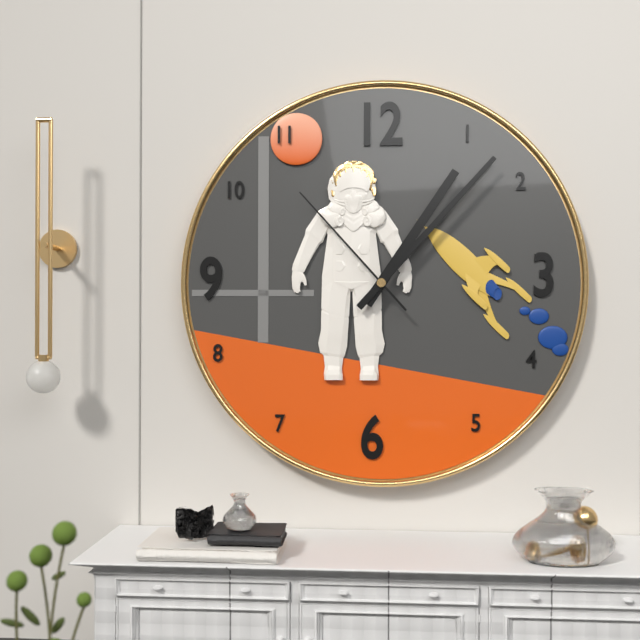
1h07m53s
